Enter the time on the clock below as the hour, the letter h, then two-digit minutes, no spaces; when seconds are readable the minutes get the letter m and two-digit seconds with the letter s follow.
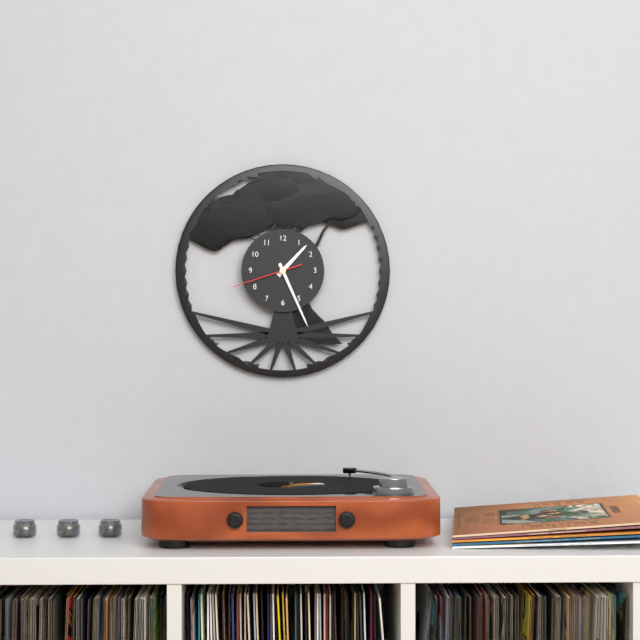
1h26m42s
